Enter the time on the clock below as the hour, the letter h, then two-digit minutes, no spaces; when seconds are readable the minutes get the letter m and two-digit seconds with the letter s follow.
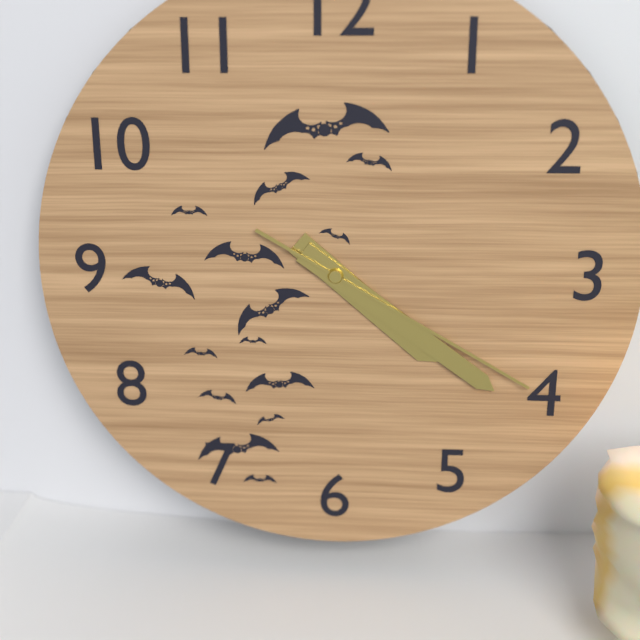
4h21m20s
